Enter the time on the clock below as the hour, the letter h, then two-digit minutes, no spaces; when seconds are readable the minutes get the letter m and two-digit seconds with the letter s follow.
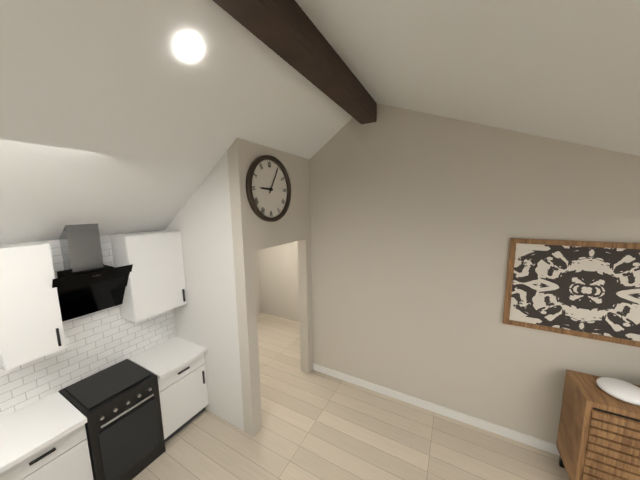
9h05
